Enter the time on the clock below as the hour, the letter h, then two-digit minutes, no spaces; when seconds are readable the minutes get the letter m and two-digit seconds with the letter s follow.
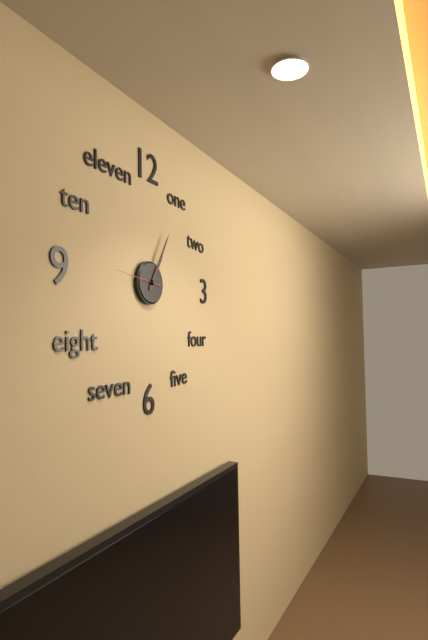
1h05
